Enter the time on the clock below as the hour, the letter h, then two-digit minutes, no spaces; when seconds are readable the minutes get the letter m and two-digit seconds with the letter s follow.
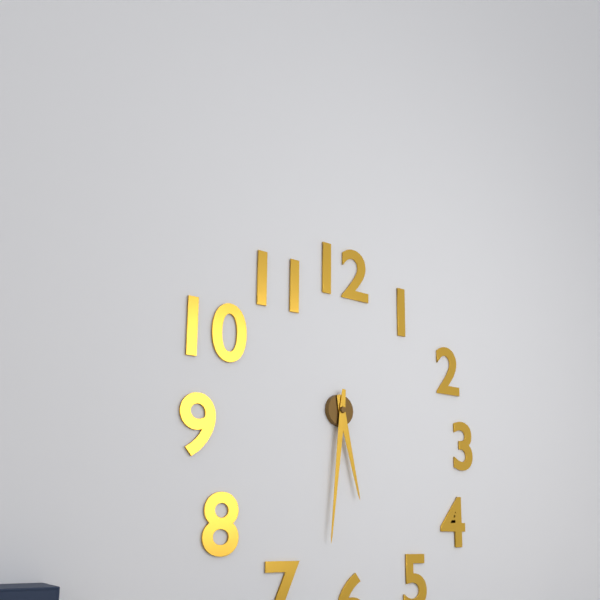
5h31
